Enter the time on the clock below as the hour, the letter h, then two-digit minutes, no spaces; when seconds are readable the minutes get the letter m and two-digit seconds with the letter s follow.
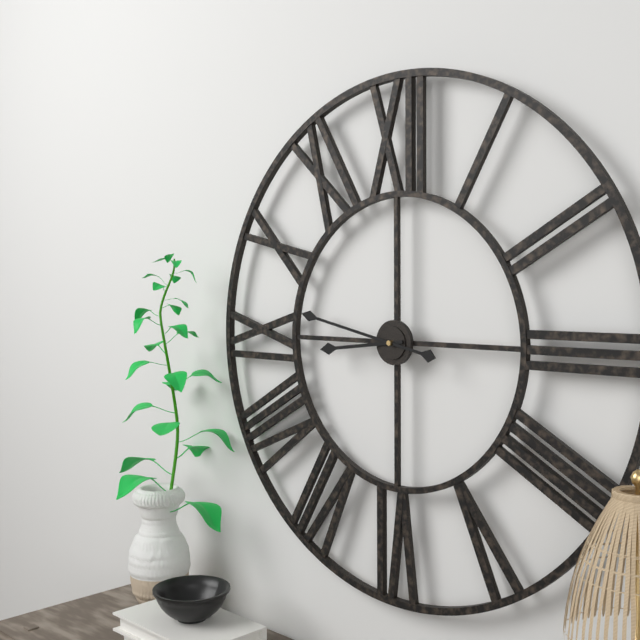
8h47
